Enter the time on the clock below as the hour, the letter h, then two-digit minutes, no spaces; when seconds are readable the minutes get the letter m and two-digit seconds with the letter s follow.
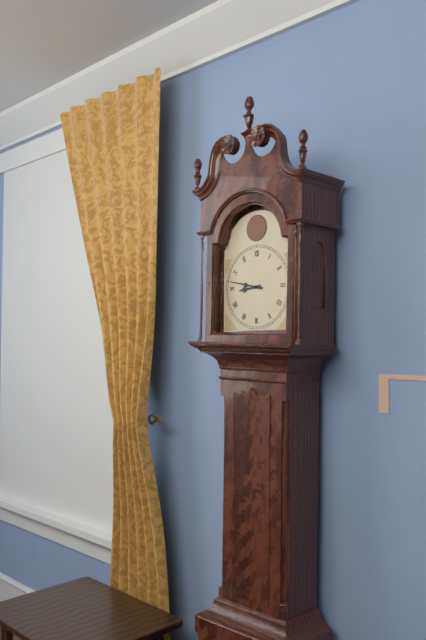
8h47
